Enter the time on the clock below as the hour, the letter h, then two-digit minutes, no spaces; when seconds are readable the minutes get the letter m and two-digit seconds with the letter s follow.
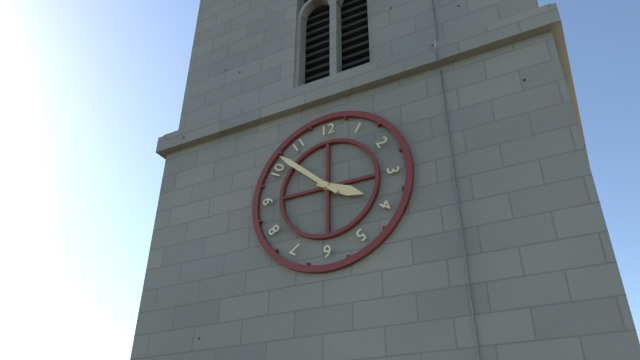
3h52
